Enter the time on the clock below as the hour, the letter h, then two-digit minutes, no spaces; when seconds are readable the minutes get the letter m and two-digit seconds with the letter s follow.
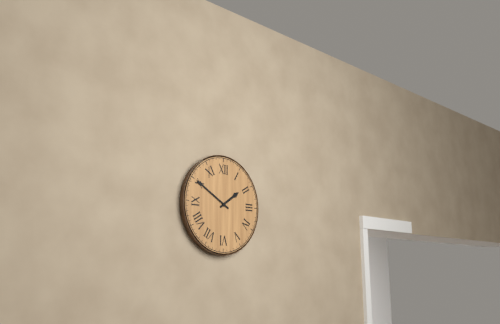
1h50
